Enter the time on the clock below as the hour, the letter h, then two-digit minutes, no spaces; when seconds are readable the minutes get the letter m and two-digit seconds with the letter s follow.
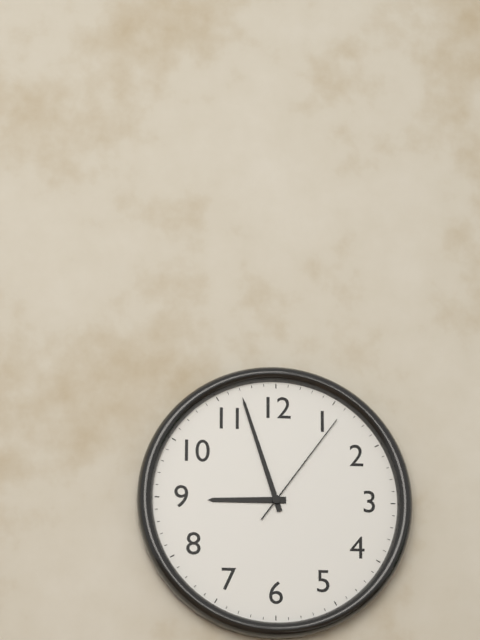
8h57m06s
